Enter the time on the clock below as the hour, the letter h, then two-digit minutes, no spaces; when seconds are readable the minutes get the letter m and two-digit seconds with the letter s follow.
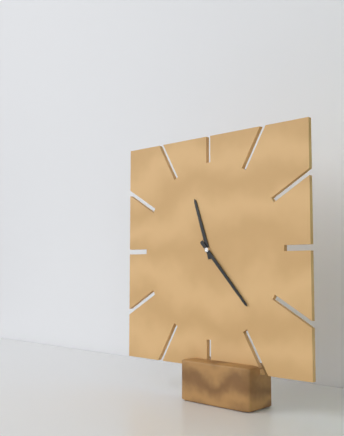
11h23
